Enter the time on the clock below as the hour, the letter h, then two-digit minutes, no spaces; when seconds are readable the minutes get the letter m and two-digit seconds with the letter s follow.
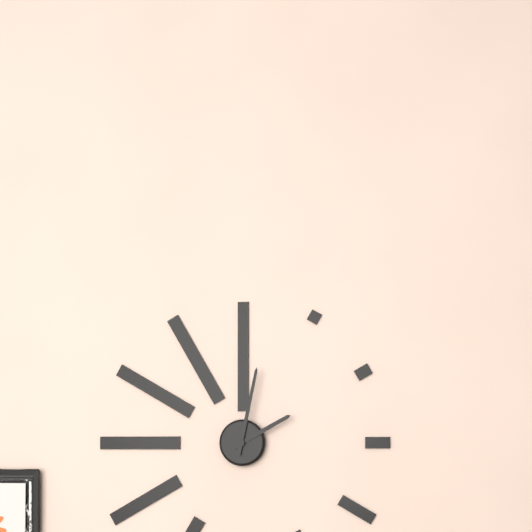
2h02
